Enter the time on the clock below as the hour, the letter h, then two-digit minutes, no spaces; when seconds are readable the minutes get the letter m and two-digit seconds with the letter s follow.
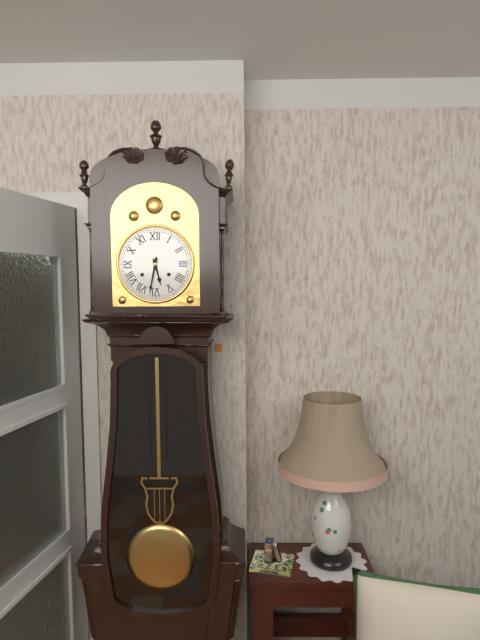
5h32
